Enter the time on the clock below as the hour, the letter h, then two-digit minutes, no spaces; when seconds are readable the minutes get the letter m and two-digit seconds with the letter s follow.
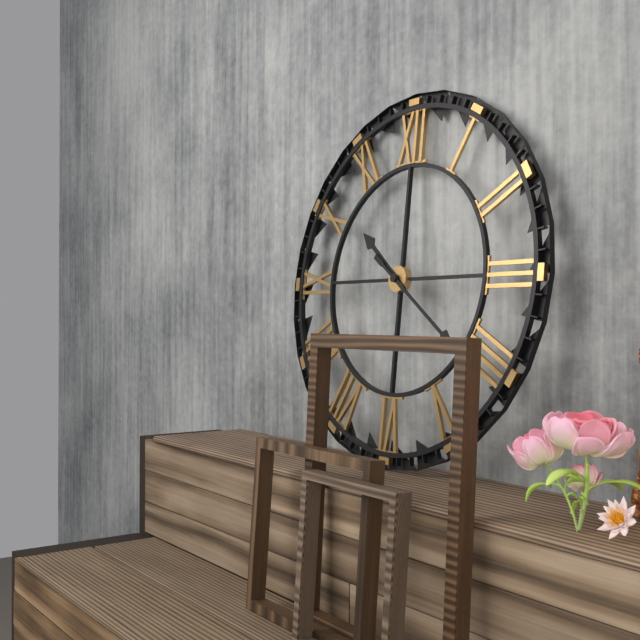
10h21
